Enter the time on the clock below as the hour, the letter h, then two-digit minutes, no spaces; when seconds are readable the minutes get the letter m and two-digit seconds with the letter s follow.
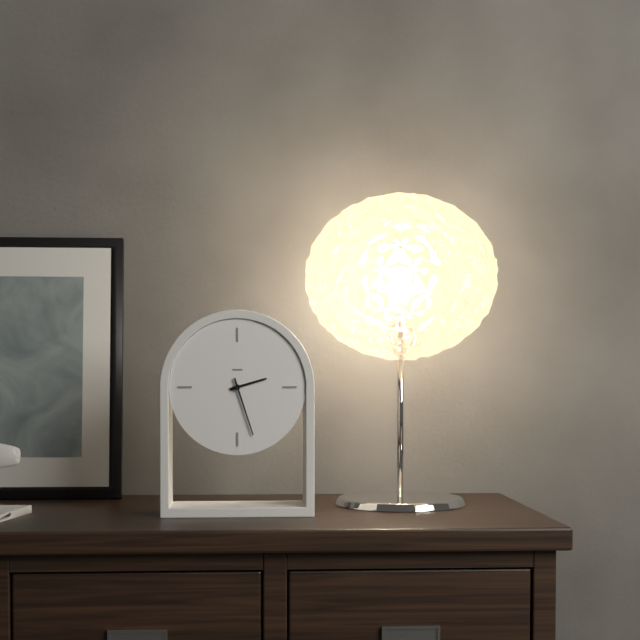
2h27
